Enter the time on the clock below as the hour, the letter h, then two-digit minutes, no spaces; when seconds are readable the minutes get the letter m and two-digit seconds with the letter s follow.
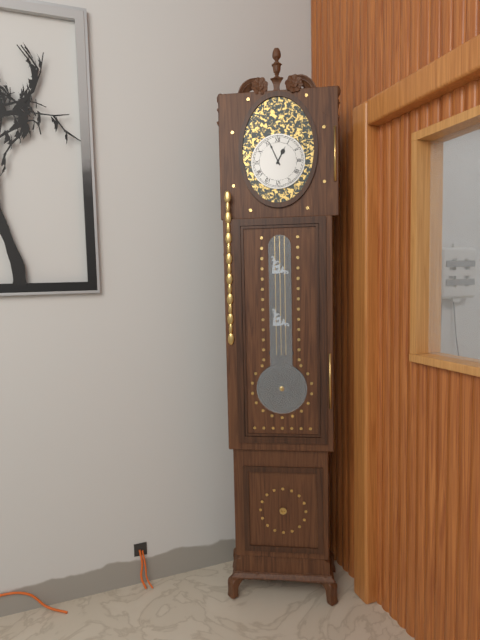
12h56
